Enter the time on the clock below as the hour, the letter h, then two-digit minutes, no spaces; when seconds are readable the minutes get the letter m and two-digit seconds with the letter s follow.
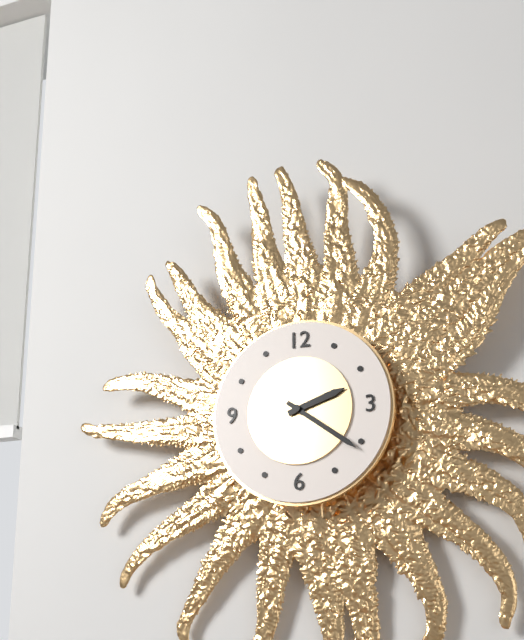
2h21
